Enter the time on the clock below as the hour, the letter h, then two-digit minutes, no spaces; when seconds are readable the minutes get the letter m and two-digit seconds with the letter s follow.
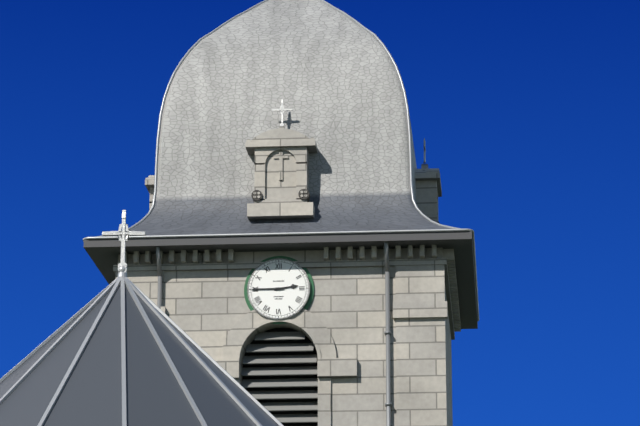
2h45
